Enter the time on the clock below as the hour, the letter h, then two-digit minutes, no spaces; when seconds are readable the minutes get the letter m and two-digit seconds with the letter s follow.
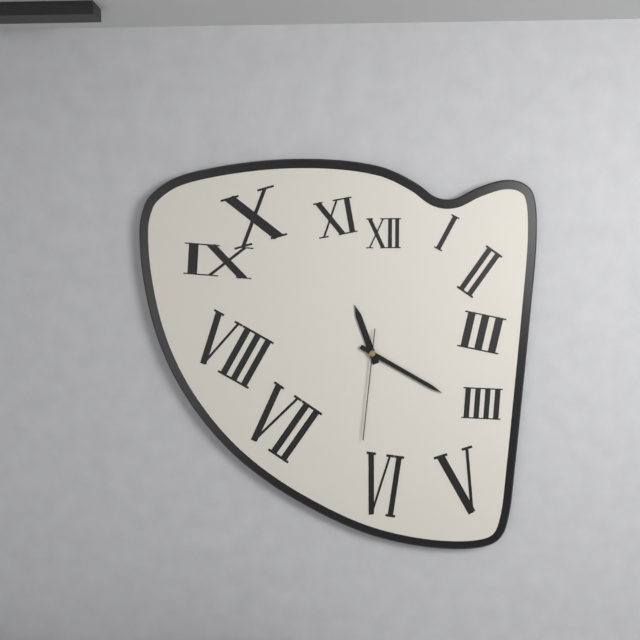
11h20m31s
